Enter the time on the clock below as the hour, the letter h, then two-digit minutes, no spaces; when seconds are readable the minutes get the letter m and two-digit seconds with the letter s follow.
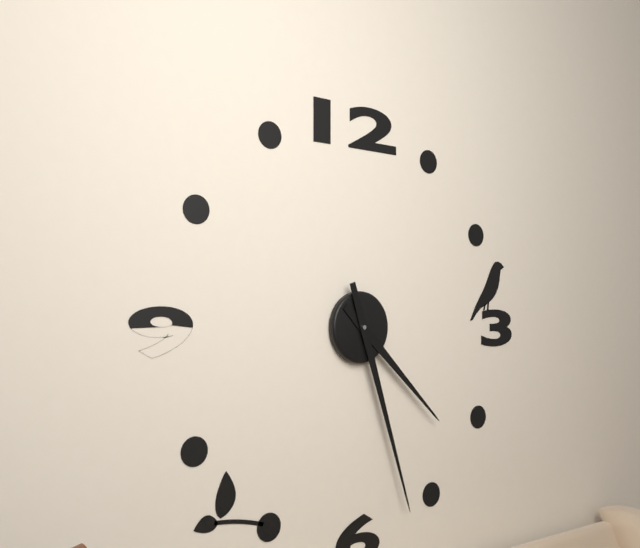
4h27
